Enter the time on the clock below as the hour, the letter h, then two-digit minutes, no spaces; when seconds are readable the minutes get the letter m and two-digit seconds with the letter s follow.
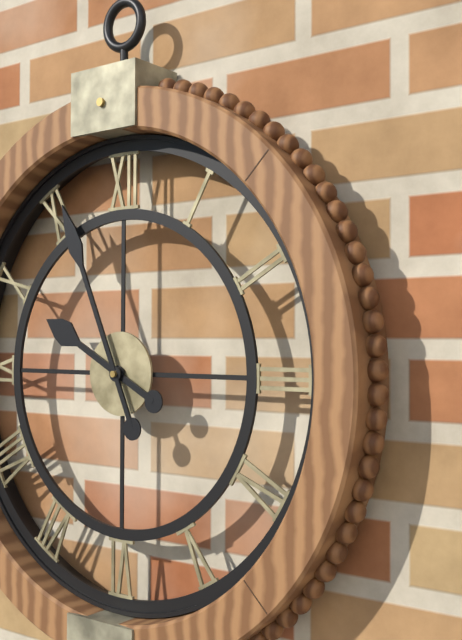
9h56
